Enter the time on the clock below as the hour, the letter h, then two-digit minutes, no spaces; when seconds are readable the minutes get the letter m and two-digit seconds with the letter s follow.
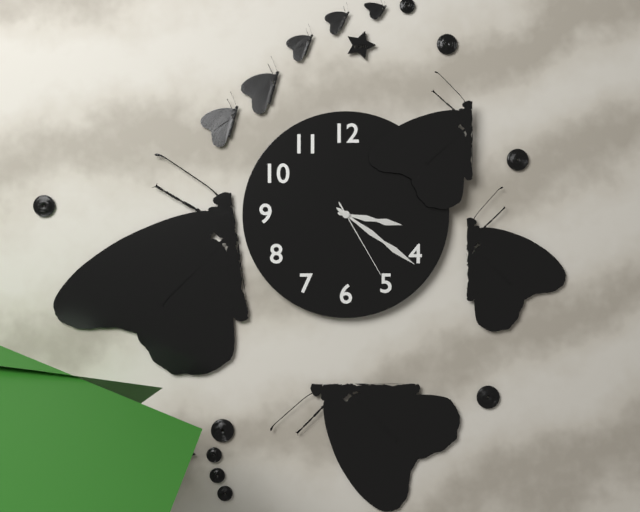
3h21m25s
